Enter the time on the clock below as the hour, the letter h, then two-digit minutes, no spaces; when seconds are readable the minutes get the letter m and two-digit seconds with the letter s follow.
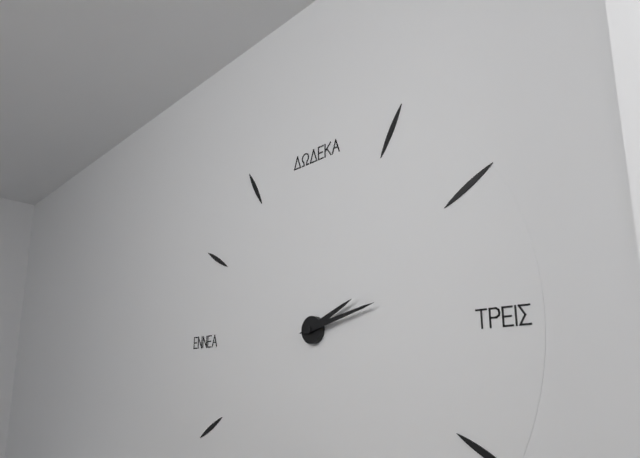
2h13
